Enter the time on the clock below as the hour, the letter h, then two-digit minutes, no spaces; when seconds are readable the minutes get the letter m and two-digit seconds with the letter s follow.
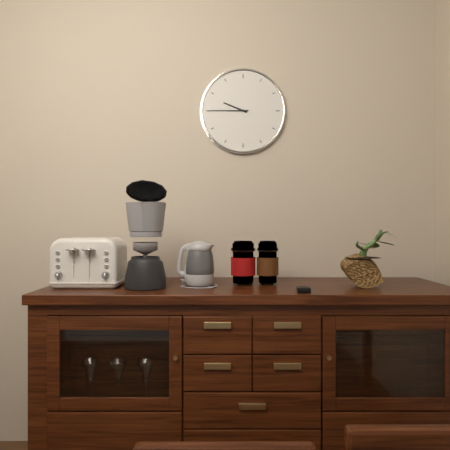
9h45
